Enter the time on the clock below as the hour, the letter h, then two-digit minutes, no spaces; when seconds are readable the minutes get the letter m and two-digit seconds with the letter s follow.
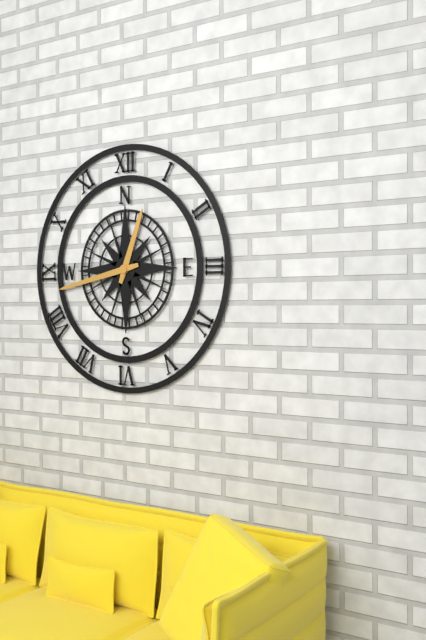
12h43
